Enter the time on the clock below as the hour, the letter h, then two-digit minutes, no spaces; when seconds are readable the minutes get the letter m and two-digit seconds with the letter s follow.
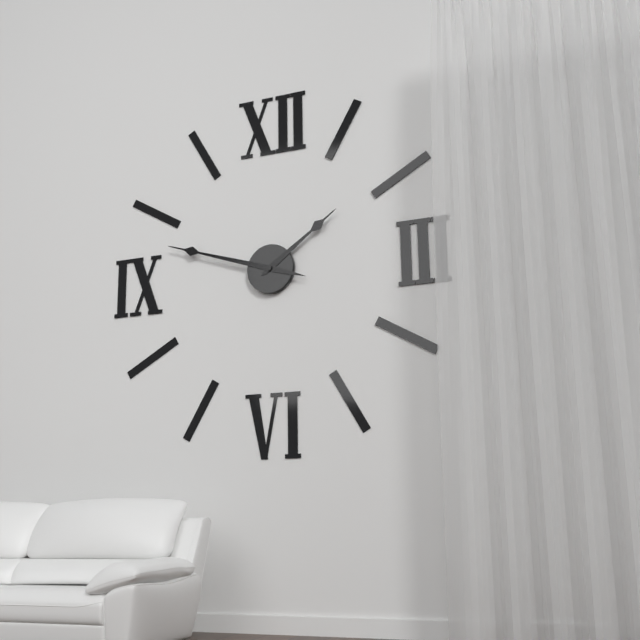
1h48
